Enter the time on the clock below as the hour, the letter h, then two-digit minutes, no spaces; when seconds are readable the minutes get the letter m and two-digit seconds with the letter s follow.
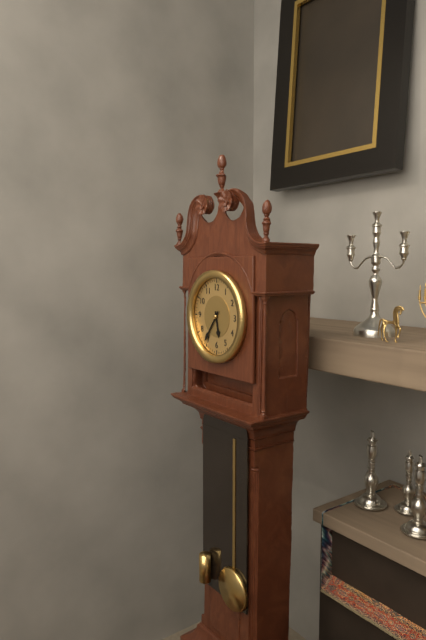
5h36
